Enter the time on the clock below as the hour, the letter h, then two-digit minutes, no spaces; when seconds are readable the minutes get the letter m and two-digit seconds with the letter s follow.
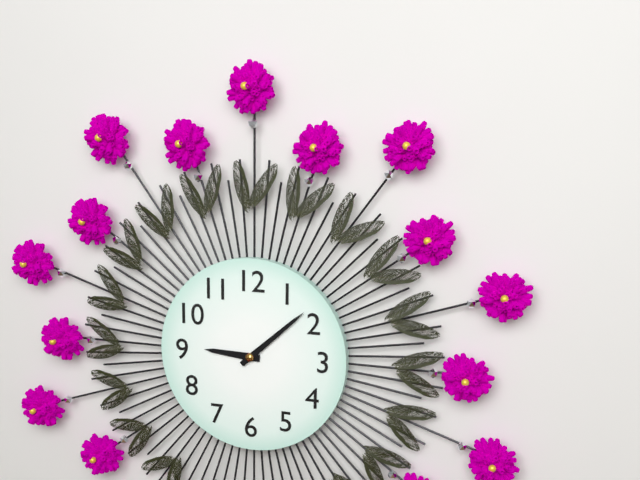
9h08
